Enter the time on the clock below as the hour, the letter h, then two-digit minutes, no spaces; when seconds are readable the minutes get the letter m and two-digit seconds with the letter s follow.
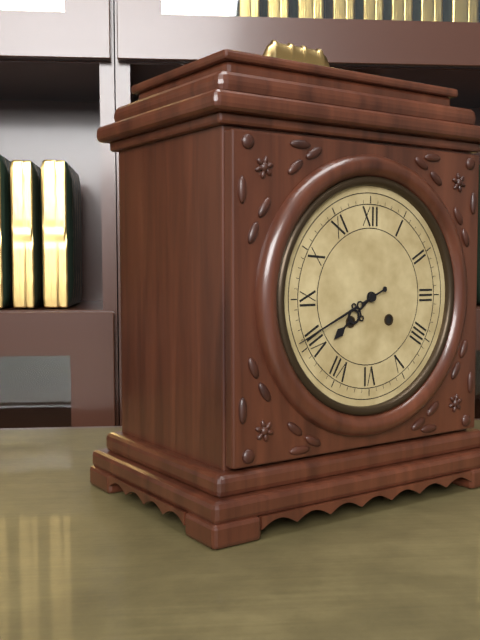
7h41
